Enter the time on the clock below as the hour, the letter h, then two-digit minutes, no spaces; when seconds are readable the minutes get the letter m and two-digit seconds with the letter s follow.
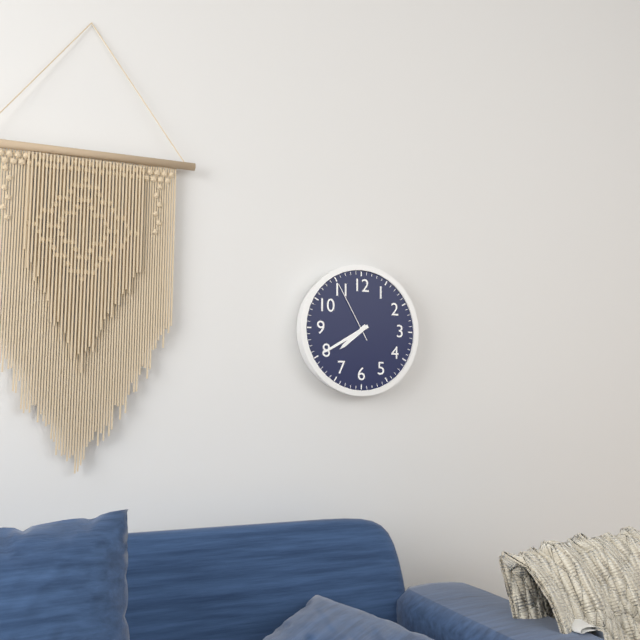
7h40m55s
